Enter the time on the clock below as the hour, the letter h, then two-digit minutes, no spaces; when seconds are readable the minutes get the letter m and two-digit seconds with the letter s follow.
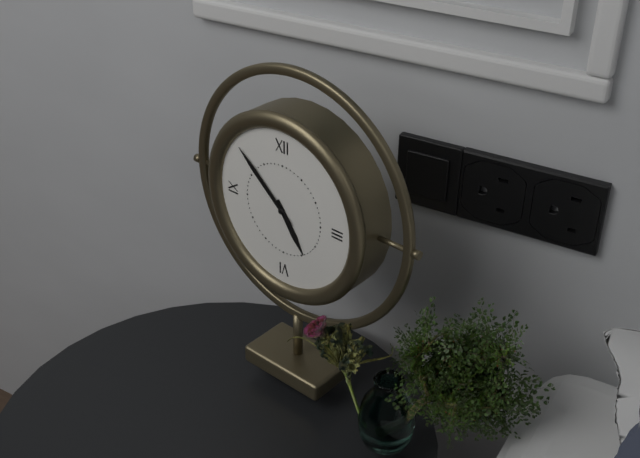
4h52
